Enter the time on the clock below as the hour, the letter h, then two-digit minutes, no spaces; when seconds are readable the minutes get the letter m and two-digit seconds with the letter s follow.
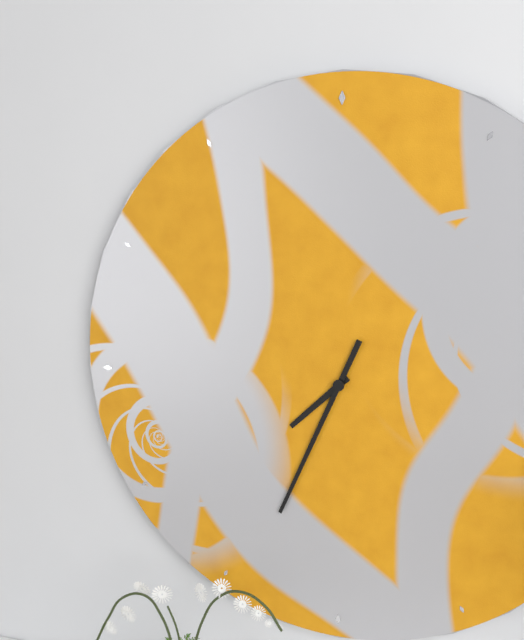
7h34
